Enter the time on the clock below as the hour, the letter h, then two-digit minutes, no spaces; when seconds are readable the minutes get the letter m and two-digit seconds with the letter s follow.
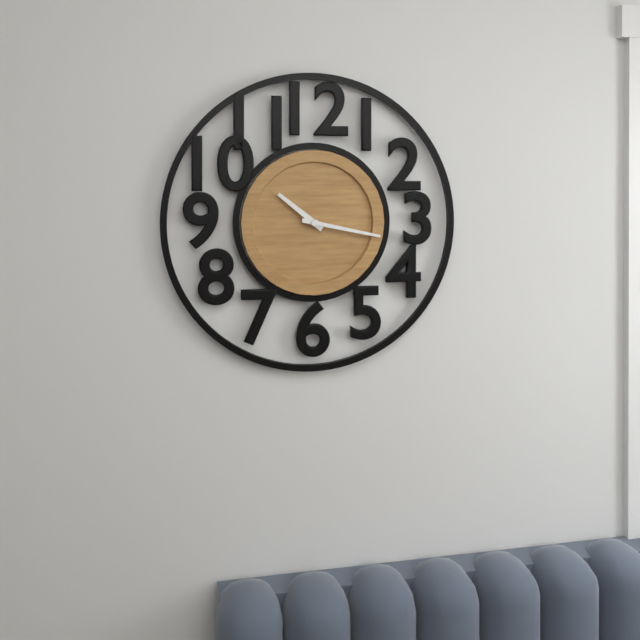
10h17
